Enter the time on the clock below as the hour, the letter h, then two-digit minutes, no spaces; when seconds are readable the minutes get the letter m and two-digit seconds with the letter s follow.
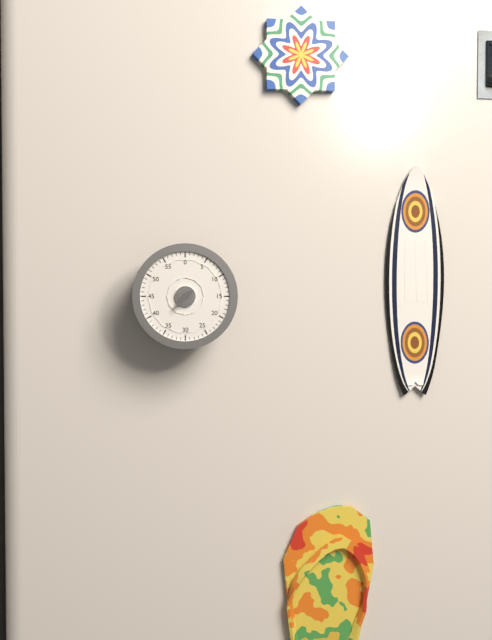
1h37
